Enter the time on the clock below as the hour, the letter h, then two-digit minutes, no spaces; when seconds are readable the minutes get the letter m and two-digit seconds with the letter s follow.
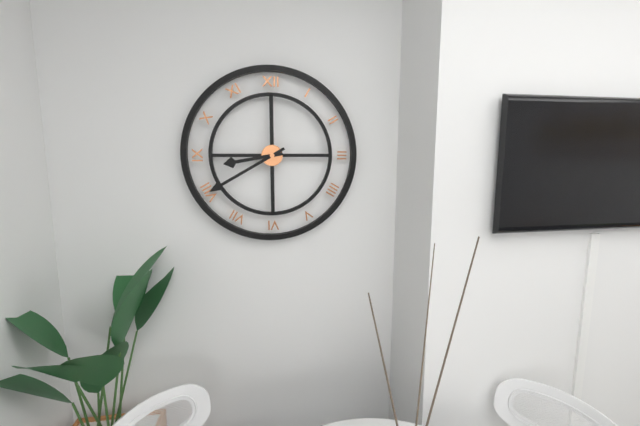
8h40
